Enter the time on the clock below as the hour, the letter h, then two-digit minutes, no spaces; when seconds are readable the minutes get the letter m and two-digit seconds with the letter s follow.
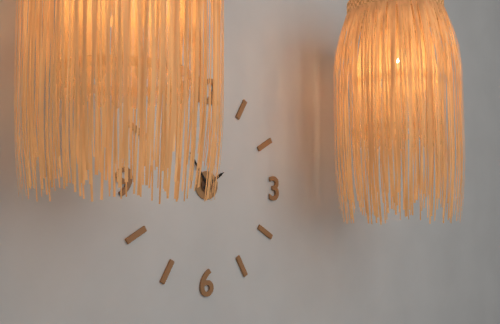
1h54
